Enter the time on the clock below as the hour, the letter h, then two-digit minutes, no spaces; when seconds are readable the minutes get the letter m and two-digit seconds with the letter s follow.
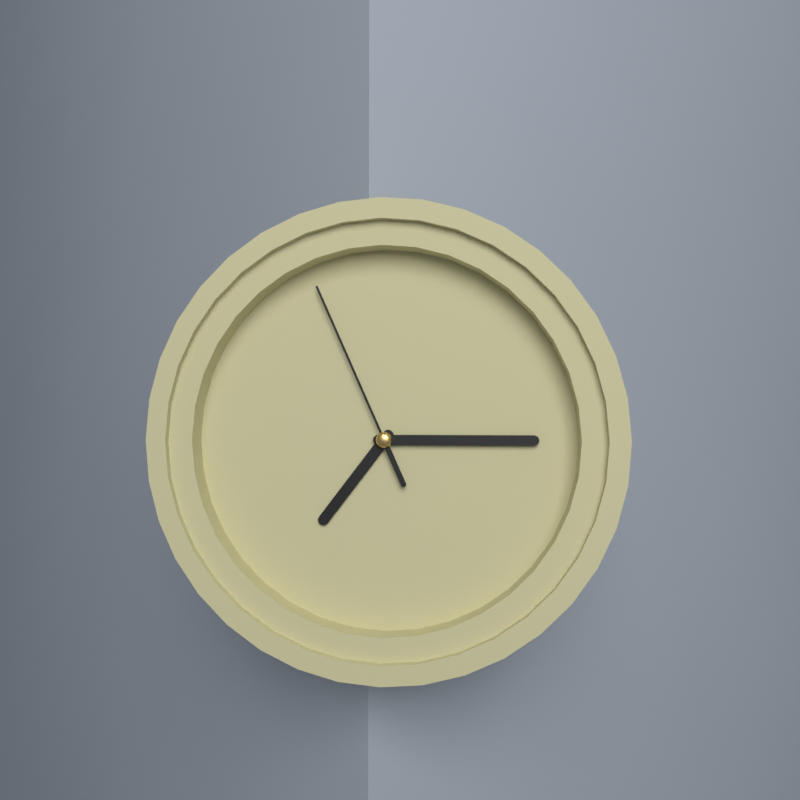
7h15m56s
